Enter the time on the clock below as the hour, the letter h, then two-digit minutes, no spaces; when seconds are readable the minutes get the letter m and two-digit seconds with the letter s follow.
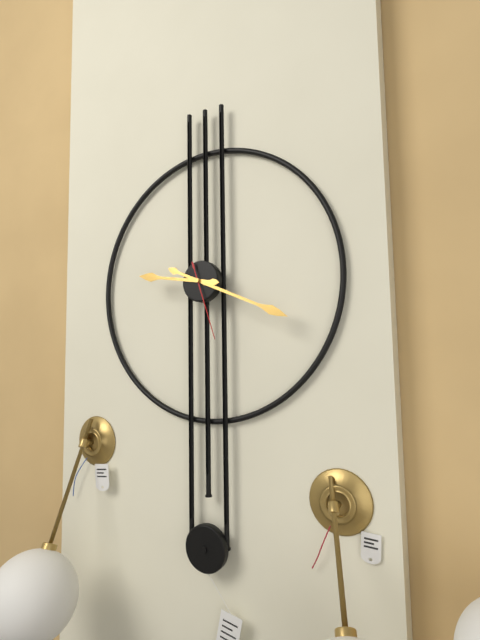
9h19m27s
